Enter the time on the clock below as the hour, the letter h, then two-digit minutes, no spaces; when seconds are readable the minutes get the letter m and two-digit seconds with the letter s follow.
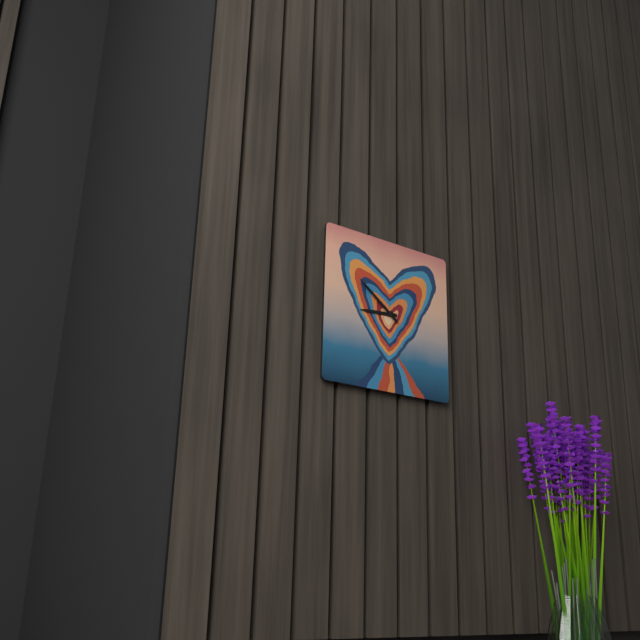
8h51
